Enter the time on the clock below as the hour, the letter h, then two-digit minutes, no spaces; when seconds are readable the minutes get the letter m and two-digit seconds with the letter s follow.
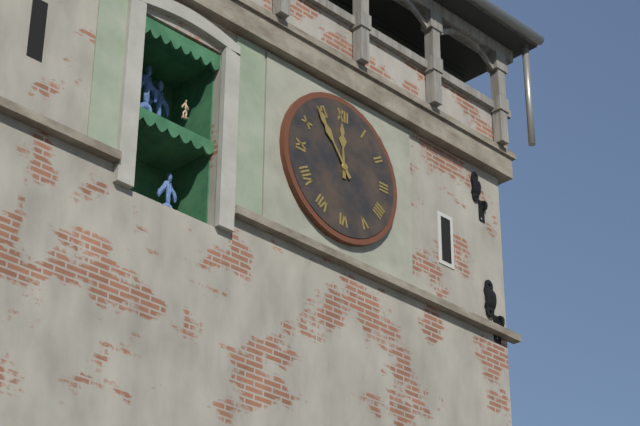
11h54
